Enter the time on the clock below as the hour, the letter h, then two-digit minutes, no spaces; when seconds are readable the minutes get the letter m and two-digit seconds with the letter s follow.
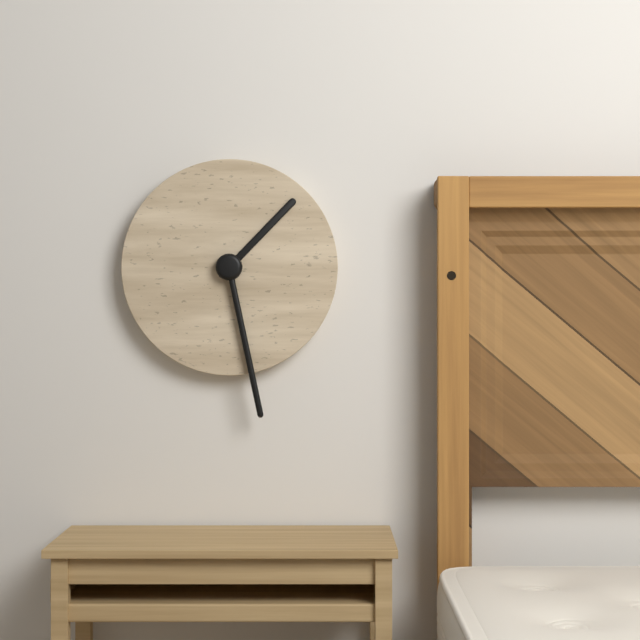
1h28
